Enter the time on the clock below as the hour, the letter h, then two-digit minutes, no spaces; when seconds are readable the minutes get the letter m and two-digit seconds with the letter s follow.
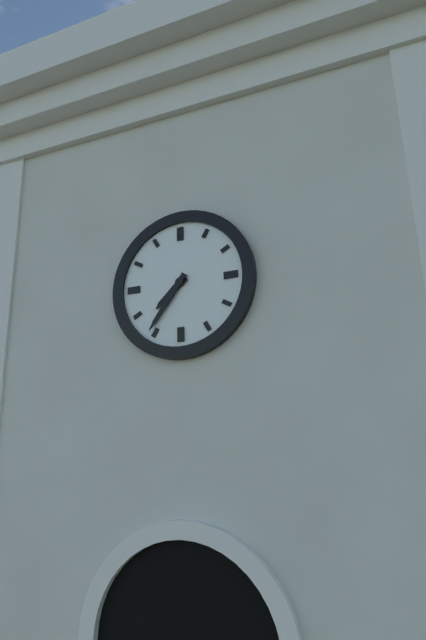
7h36
